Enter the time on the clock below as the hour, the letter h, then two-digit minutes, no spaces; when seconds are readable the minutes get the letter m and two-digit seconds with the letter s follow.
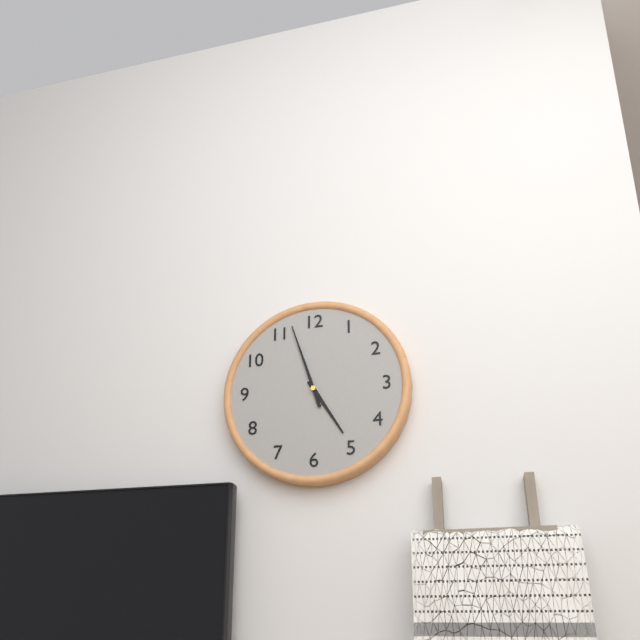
4h57
